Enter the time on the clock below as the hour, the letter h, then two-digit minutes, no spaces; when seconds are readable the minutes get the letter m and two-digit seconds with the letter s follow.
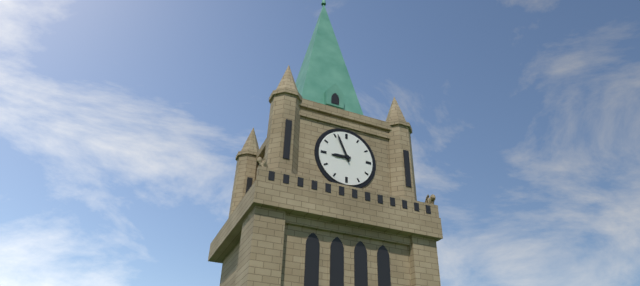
8h56
